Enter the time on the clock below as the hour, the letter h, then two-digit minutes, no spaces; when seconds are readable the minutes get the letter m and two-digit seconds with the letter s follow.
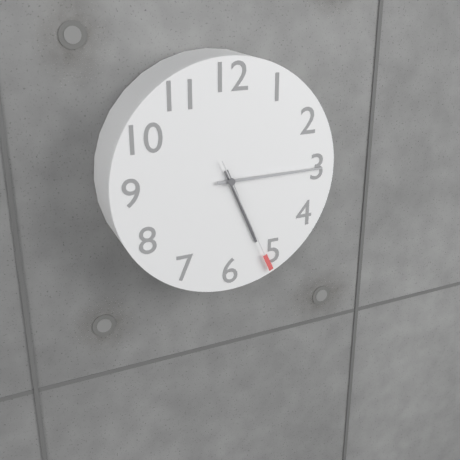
5h15m26s
